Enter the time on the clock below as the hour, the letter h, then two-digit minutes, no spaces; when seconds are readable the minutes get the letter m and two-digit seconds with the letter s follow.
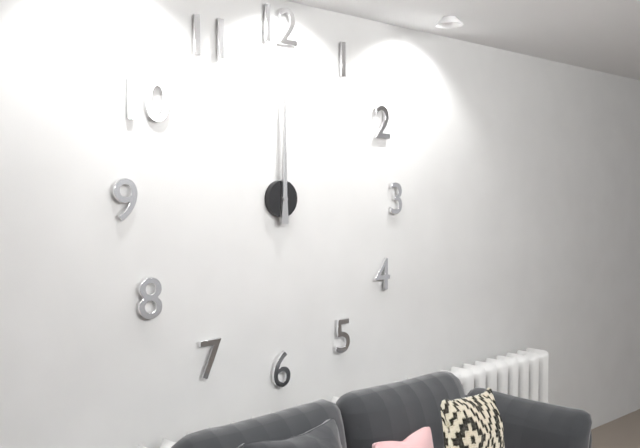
12h00
